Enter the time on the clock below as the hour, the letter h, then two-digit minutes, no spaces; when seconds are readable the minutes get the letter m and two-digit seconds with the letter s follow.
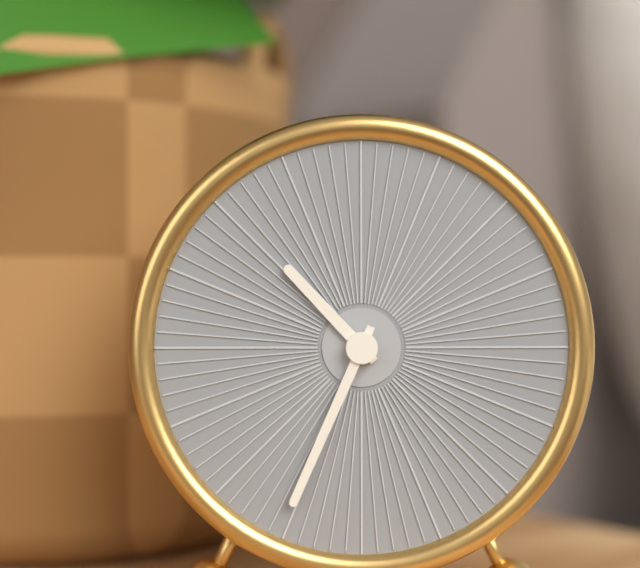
10h34
